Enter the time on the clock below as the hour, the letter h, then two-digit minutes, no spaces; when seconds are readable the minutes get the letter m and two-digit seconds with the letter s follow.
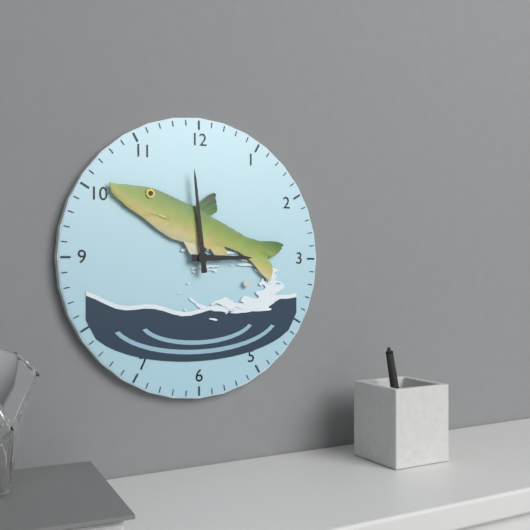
2h59
